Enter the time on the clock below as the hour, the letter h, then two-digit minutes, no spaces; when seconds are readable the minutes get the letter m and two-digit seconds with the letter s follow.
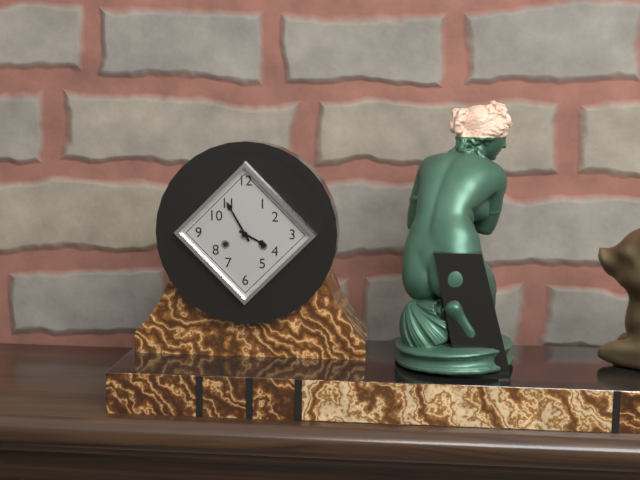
3h55
